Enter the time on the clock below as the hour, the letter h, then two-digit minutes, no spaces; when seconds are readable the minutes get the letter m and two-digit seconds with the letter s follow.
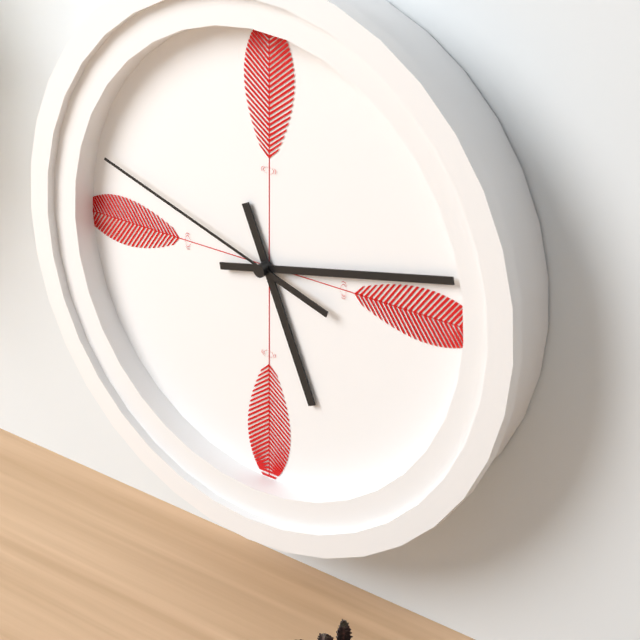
5h13m48s
